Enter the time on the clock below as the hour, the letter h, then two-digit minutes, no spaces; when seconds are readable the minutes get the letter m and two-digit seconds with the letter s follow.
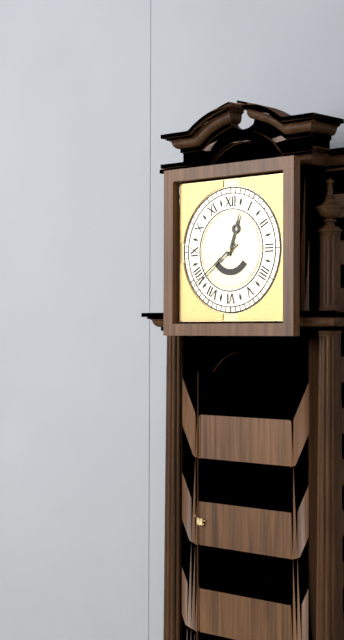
12h39
